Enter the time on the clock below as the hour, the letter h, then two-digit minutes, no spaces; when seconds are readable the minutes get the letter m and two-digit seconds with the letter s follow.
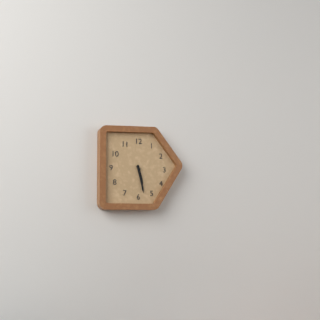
5h28
